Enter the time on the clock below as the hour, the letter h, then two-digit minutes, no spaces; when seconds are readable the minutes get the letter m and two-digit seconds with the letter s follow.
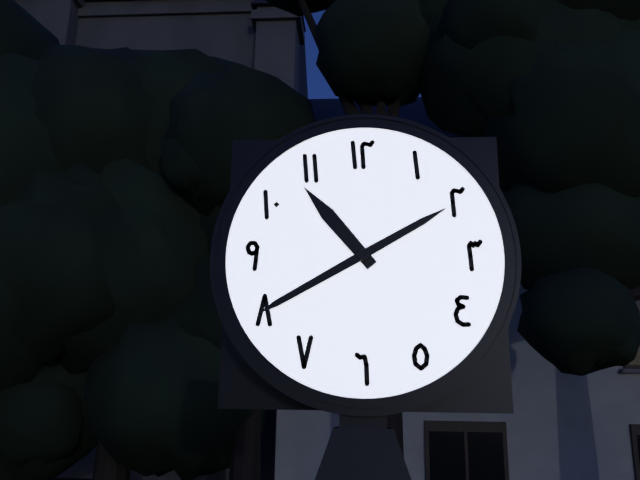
10h40
